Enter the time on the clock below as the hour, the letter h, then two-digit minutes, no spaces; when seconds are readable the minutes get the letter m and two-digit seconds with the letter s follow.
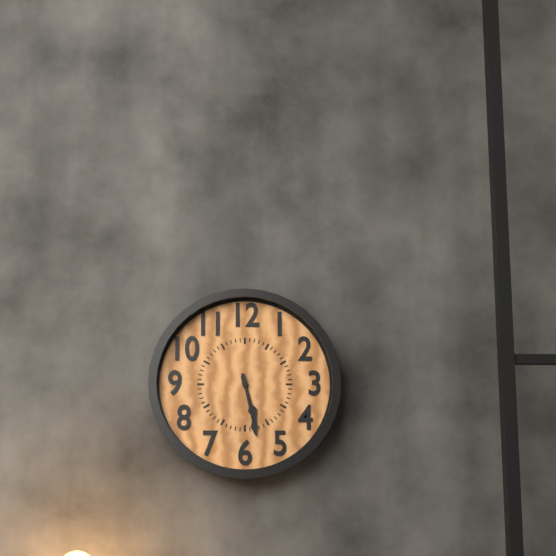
5h28
